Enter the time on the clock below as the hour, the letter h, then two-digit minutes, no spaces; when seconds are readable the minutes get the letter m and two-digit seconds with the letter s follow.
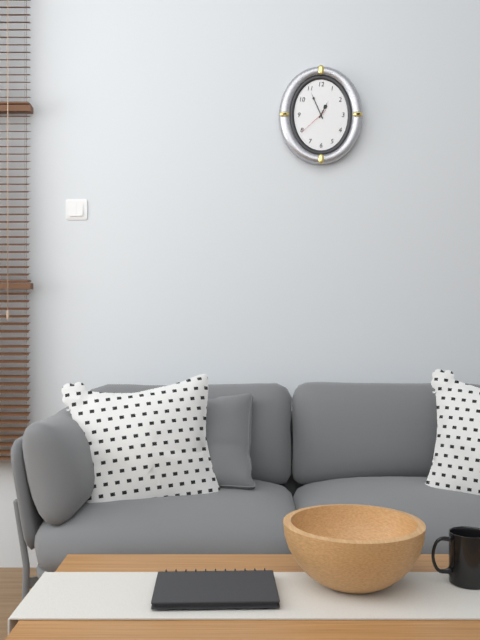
12h56
